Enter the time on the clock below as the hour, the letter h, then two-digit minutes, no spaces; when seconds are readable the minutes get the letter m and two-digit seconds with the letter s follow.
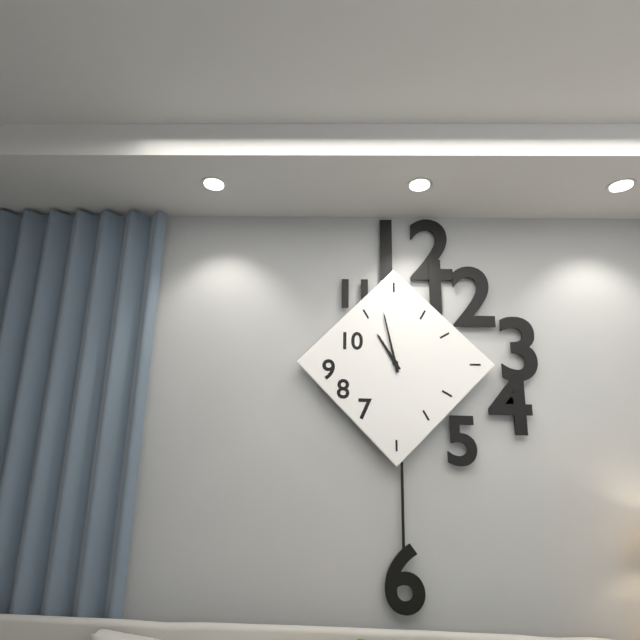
10h58
